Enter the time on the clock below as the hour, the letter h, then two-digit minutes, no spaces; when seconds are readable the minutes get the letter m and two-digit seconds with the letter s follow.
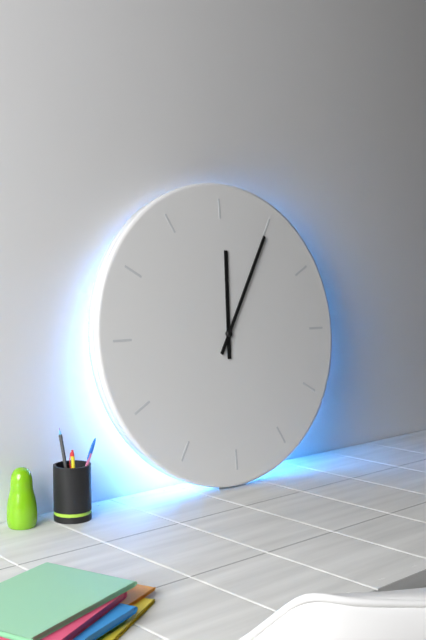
12h05
